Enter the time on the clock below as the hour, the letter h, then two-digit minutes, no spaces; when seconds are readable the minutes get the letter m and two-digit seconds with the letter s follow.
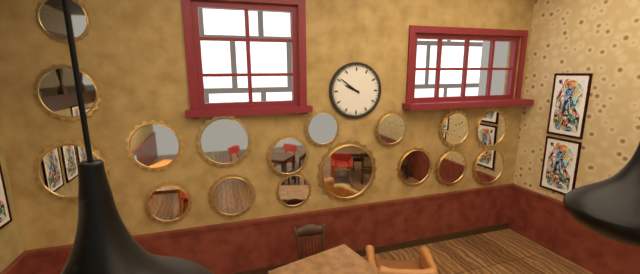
9h51
